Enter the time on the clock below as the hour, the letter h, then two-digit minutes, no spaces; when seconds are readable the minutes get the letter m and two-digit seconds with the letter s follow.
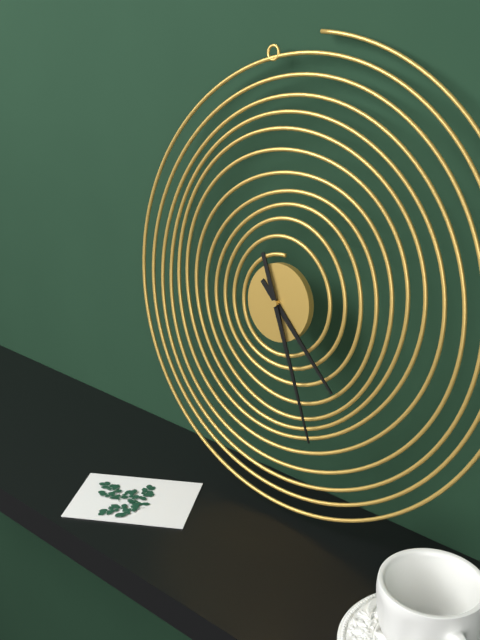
4h26
